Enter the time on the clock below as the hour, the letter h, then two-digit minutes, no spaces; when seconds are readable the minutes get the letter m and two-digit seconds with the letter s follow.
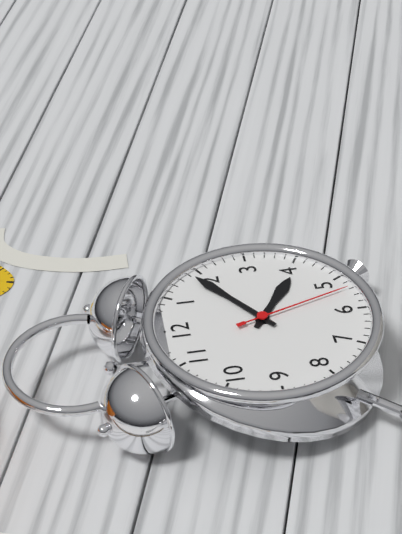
4h09m27s
